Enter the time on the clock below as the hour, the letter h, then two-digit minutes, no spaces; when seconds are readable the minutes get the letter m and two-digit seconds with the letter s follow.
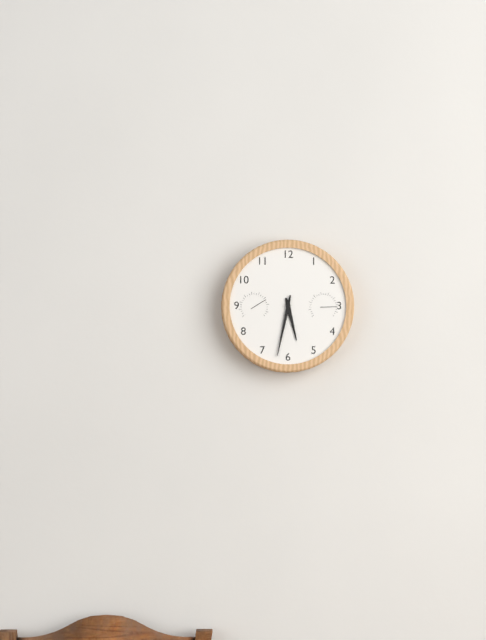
5h32
